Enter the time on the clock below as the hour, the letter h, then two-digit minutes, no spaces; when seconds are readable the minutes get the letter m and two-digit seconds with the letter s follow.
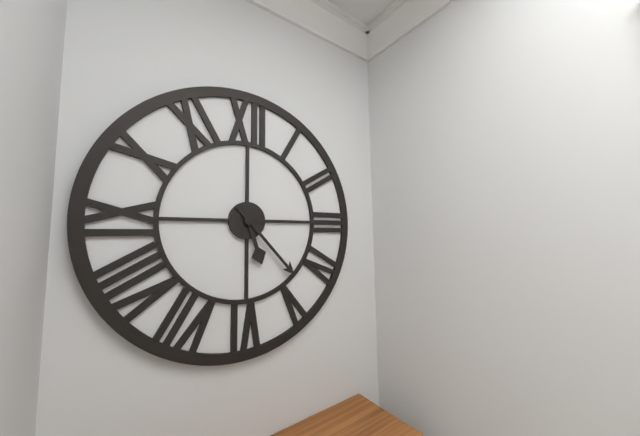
5h23
